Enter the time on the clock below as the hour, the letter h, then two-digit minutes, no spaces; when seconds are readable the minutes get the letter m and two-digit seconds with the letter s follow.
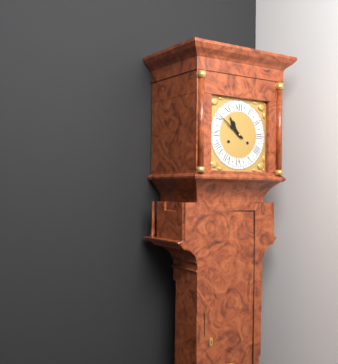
10h51
